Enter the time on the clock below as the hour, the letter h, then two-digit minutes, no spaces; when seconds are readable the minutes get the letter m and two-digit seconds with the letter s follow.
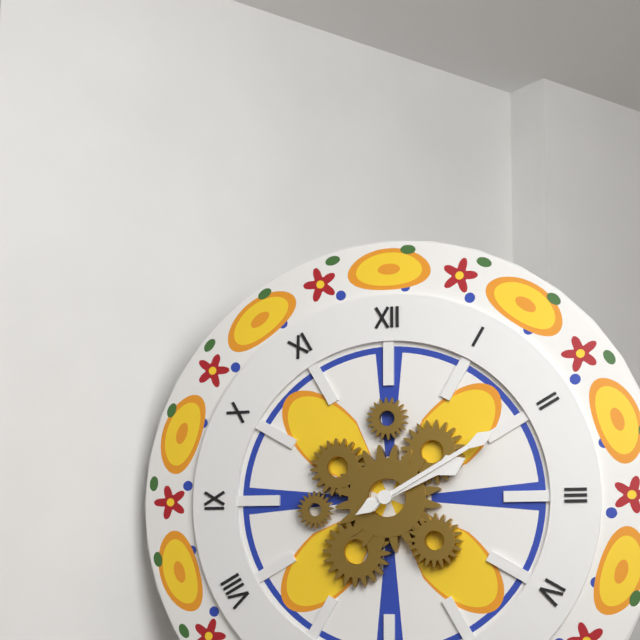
2h10
